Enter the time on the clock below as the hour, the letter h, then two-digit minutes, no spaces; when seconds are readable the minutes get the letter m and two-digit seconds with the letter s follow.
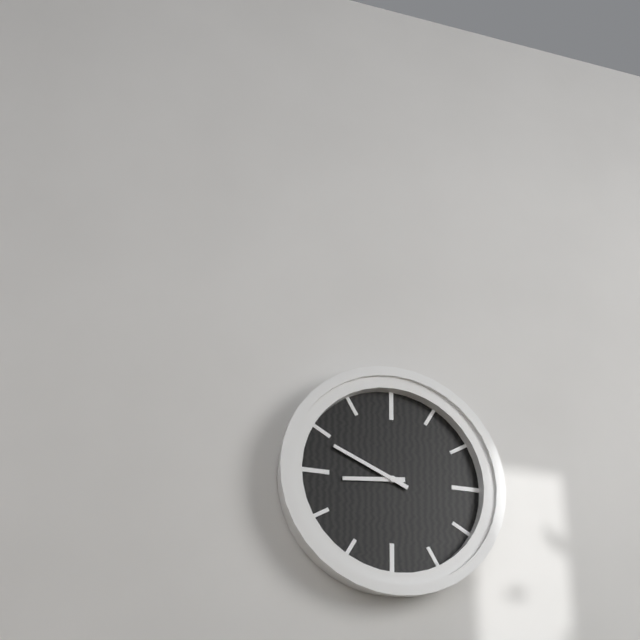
8h49
